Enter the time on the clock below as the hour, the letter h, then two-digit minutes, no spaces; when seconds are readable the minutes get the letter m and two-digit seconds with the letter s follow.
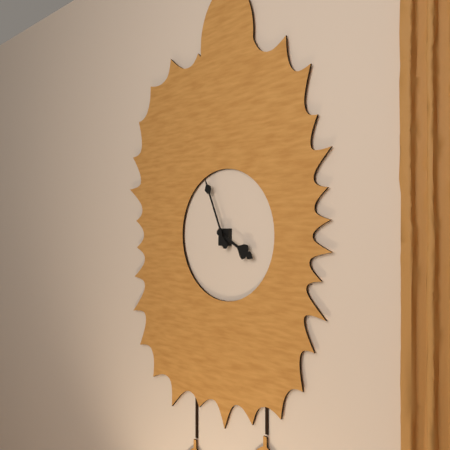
3h56
